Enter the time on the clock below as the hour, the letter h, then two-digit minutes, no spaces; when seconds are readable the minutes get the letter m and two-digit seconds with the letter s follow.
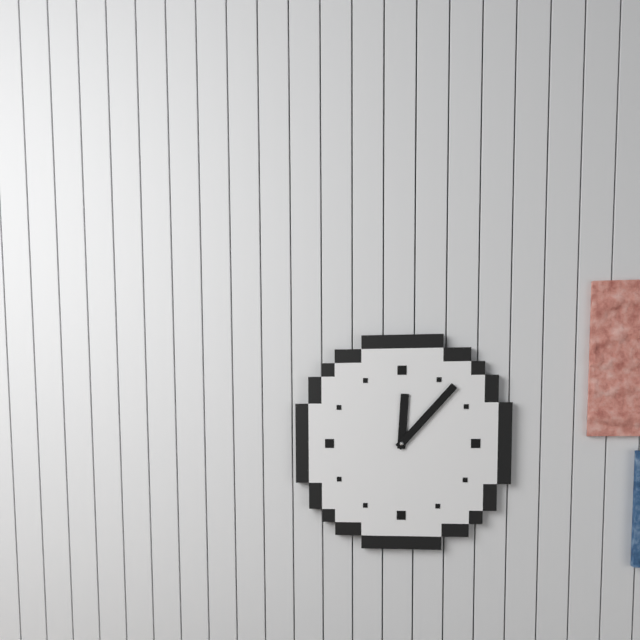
12h07
